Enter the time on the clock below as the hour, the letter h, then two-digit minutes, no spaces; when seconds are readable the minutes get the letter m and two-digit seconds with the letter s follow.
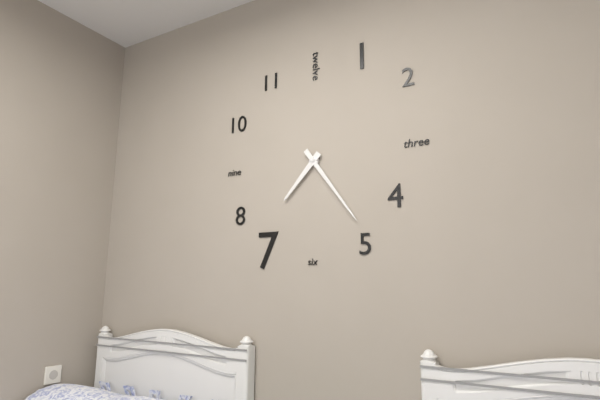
7h24
